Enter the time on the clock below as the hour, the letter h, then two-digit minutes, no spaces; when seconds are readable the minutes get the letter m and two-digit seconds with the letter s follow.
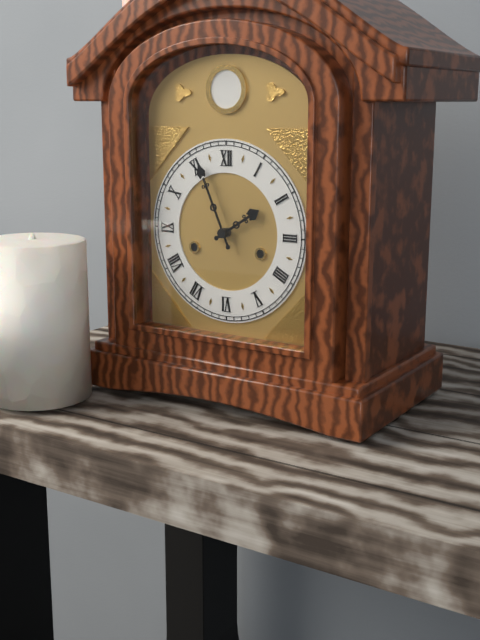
1h56
